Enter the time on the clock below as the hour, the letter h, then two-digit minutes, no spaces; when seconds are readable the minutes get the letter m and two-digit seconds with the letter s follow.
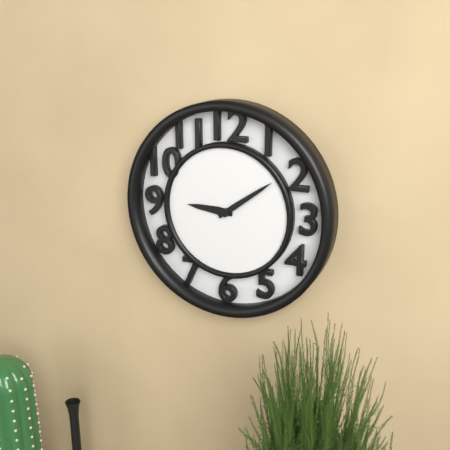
9h09
